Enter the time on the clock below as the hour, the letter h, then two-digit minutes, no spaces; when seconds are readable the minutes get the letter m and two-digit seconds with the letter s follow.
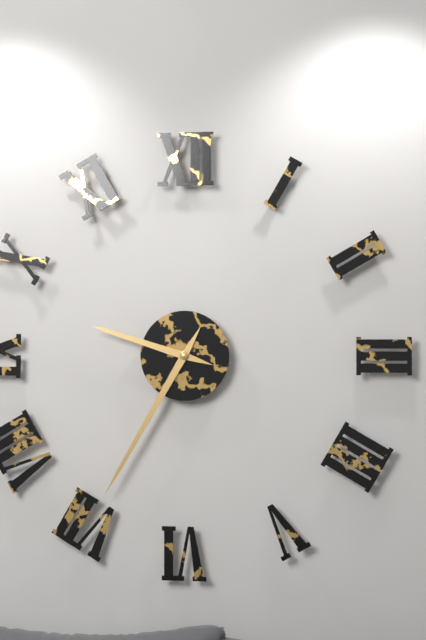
9h35
